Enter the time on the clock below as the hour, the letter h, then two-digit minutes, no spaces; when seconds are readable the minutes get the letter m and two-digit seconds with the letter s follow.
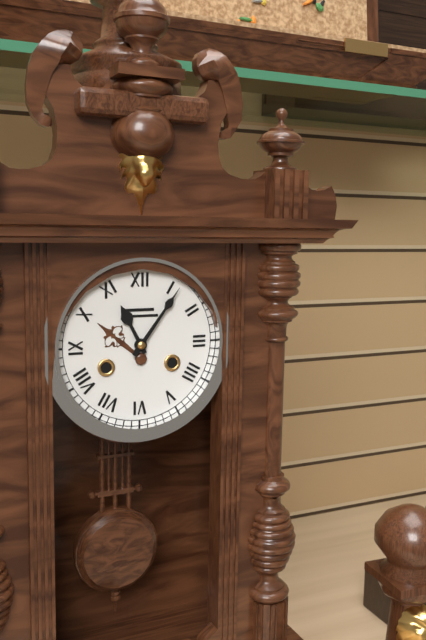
11h06
